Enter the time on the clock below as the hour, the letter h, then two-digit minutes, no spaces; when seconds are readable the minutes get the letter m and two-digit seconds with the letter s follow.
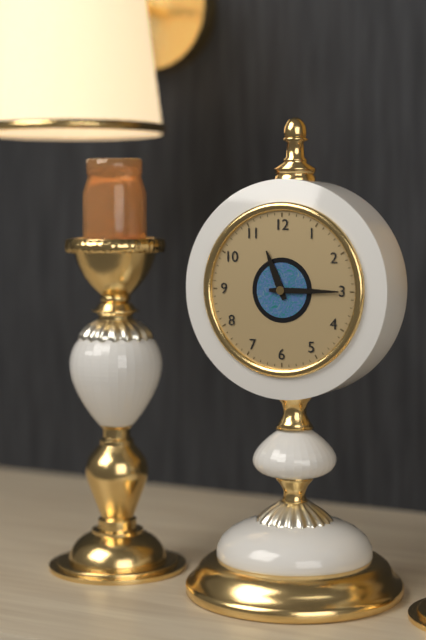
11h15
